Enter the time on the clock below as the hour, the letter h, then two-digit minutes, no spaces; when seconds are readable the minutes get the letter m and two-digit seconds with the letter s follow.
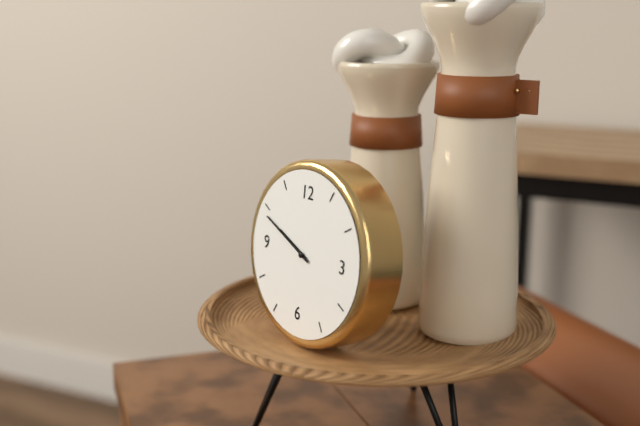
9h49
